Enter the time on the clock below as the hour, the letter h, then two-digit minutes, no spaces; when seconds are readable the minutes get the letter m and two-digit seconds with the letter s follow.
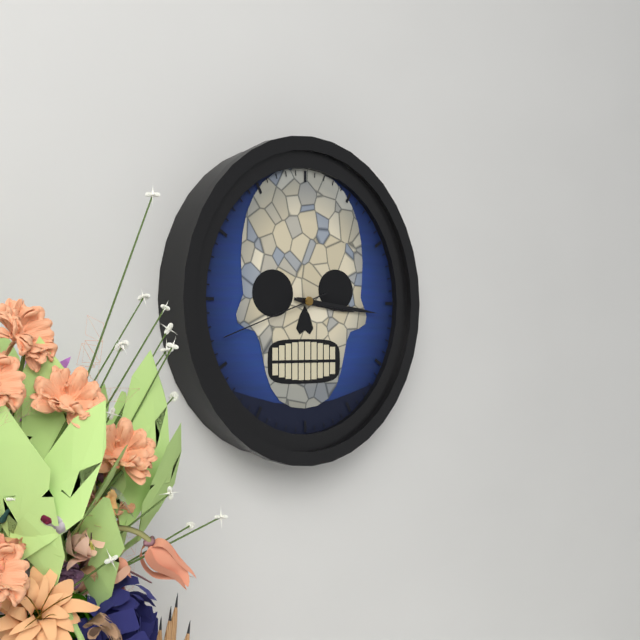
3h16m42s
